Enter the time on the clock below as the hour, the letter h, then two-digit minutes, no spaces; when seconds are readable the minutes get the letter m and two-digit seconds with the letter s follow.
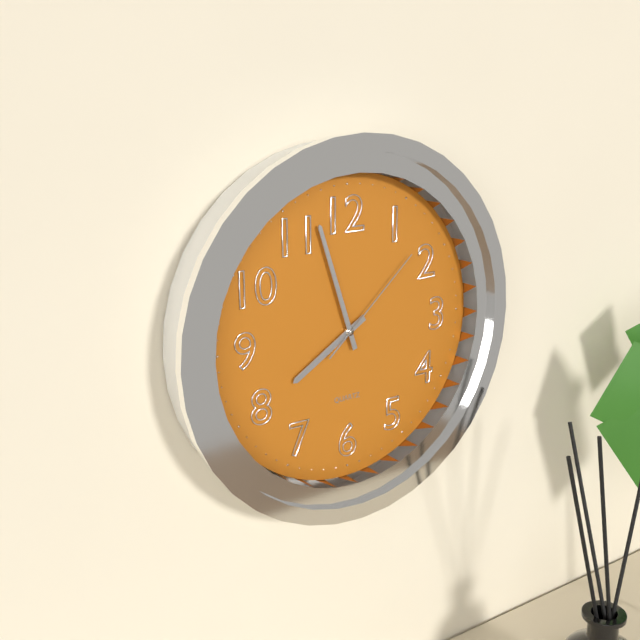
7h57m08s
